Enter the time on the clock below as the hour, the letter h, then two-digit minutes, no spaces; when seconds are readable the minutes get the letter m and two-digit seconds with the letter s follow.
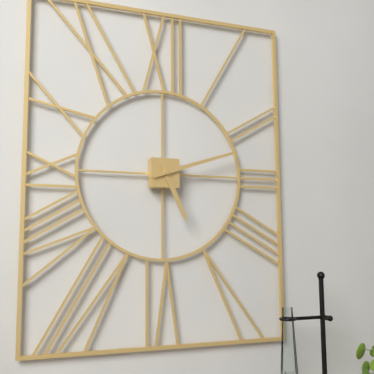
5h12
